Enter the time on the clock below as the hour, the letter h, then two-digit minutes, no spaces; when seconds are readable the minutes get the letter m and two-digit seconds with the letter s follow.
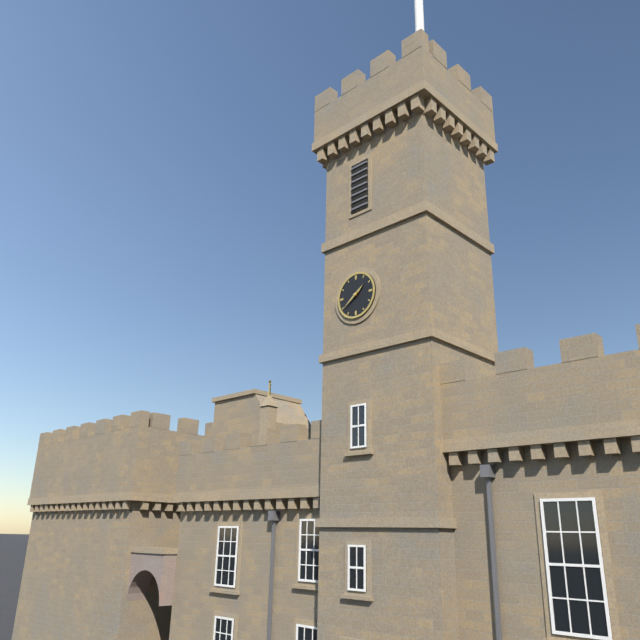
1h39
